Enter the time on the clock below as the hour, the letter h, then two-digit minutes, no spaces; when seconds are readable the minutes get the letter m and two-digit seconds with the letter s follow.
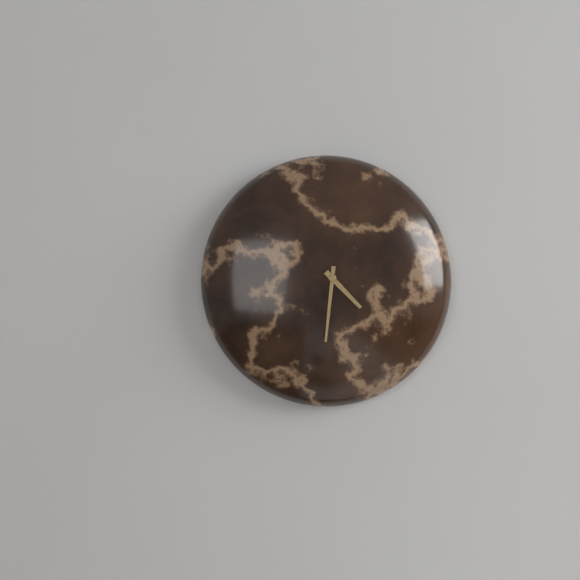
4h31
